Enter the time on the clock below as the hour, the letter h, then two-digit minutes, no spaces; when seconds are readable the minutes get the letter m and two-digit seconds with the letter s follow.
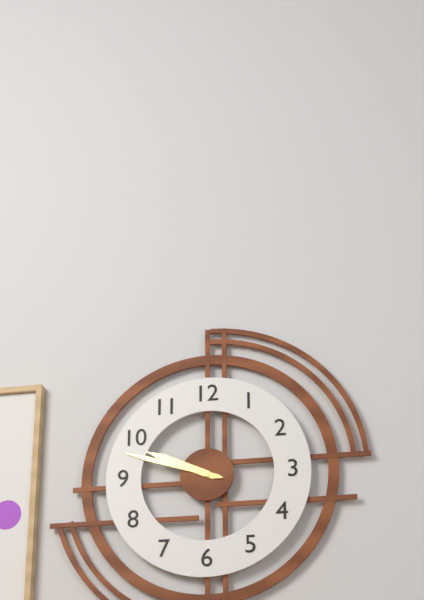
9h48
